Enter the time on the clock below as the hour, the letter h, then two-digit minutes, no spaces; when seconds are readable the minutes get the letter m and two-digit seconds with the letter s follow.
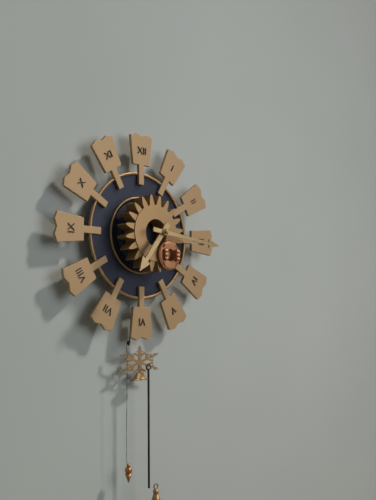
7h16
